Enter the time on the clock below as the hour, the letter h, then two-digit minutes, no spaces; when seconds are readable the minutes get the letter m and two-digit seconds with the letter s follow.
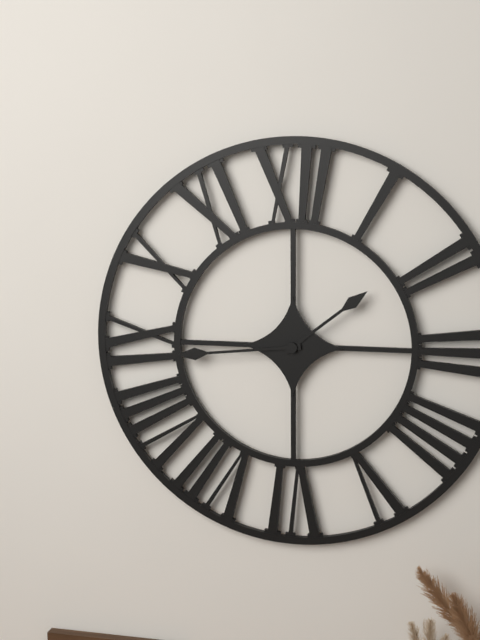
1h44
